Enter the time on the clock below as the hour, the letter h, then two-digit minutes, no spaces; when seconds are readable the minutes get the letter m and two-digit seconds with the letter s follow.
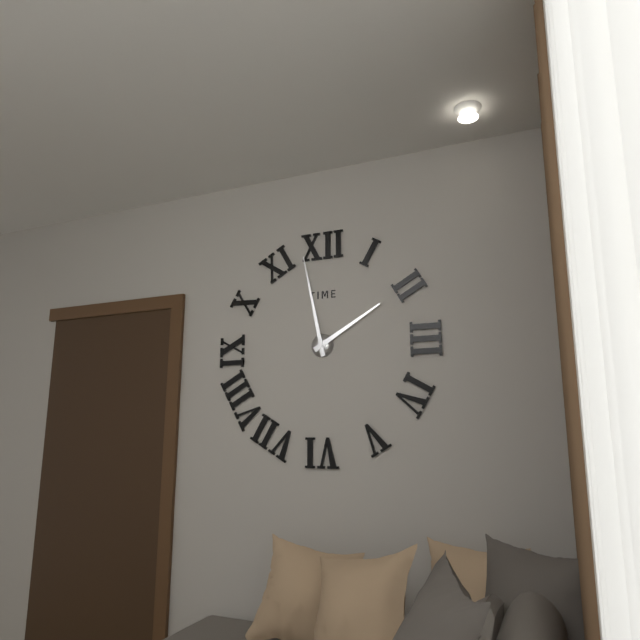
1h58
